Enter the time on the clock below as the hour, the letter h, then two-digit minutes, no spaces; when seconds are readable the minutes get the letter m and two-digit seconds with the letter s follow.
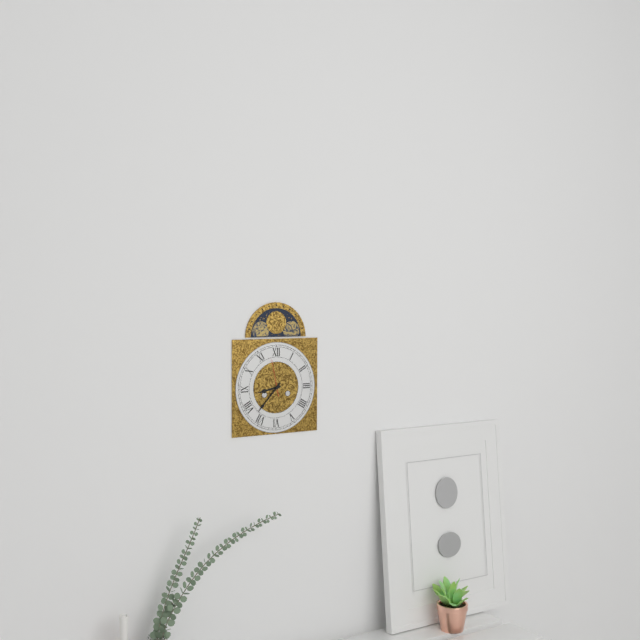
8h37
